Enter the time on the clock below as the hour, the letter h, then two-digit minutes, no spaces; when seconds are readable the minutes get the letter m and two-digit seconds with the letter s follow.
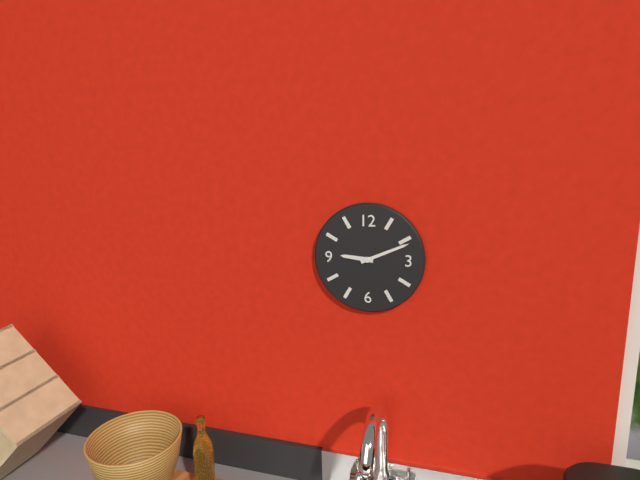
9h11
